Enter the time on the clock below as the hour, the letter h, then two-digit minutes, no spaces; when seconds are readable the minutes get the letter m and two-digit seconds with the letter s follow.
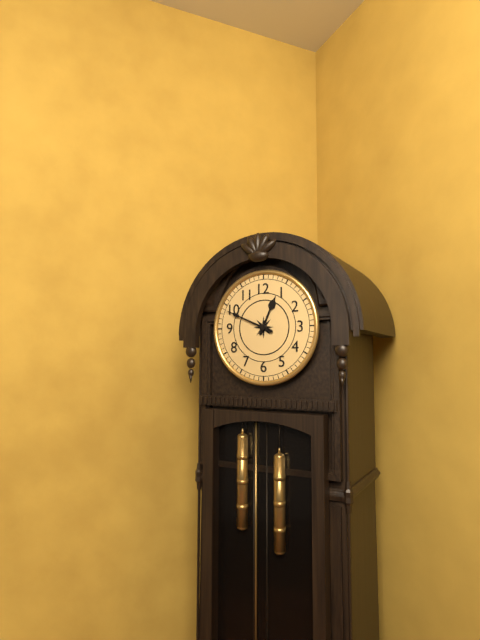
12h49
